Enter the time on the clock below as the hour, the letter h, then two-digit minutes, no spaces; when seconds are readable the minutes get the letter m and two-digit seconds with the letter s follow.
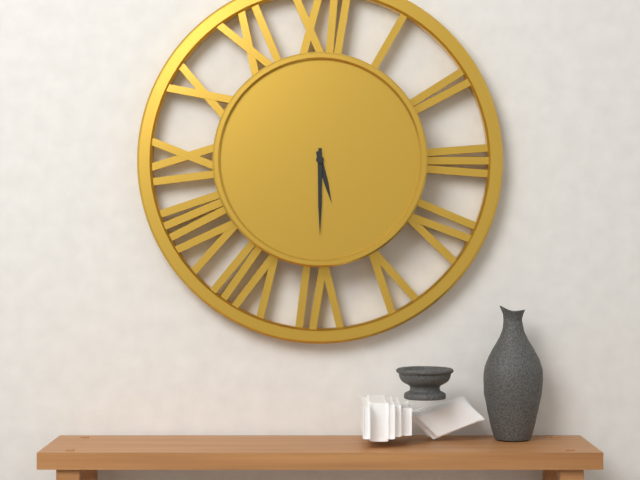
5h30
